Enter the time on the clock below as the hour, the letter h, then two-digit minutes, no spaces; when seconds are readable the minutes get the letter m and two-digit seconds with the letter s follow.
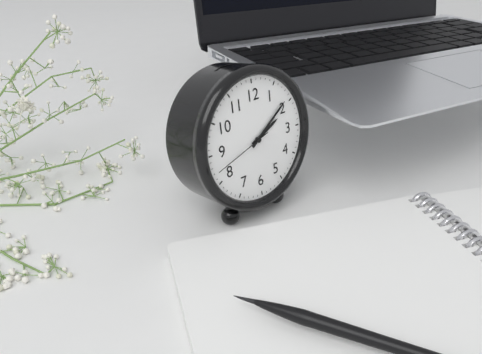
2h09m42s
